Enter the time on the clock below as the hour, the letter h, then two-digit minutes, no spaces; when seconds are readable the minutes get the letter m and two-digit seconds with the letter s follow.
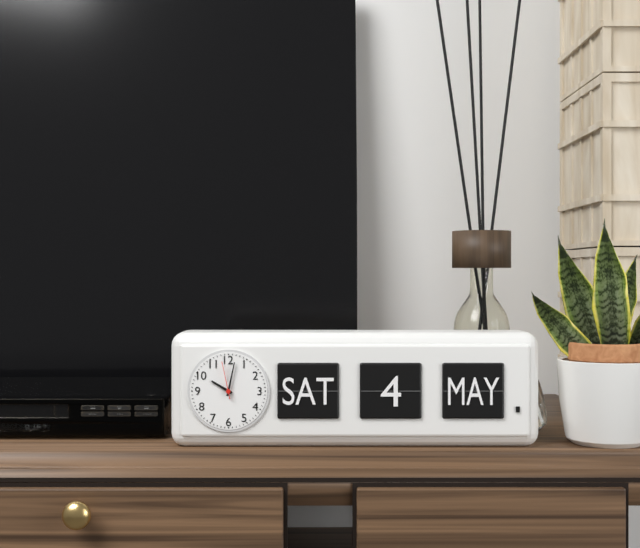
10h02
